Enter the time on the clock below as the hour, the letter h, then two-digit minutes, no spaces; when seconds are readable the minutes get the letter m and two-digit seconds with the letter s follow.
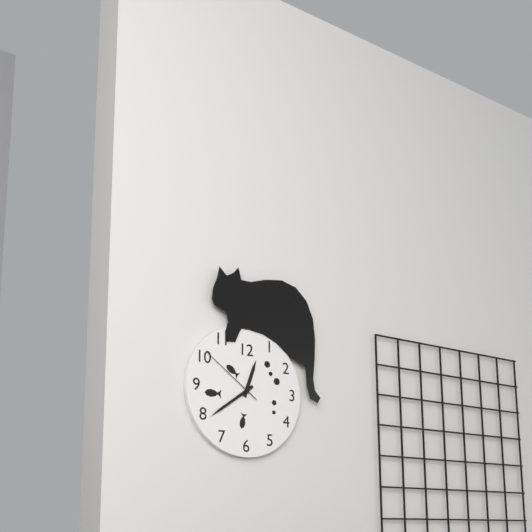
12h39m51s
